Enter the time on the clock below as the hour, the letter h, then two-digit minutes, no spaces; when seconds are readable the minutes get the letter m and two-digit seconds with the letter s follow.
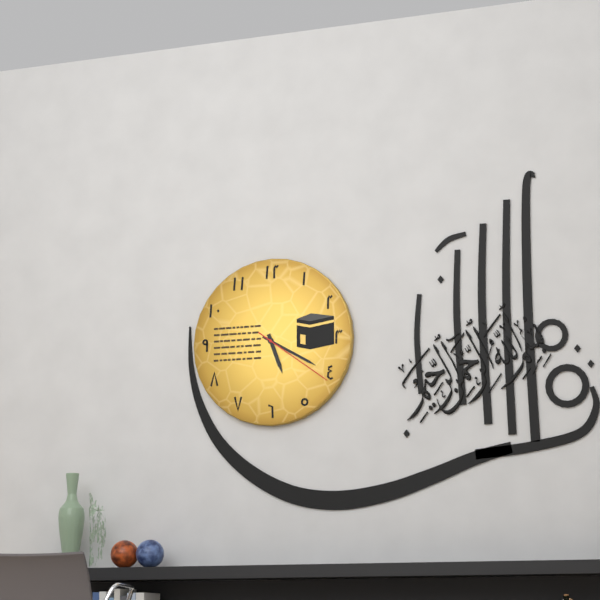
5h20m21s
